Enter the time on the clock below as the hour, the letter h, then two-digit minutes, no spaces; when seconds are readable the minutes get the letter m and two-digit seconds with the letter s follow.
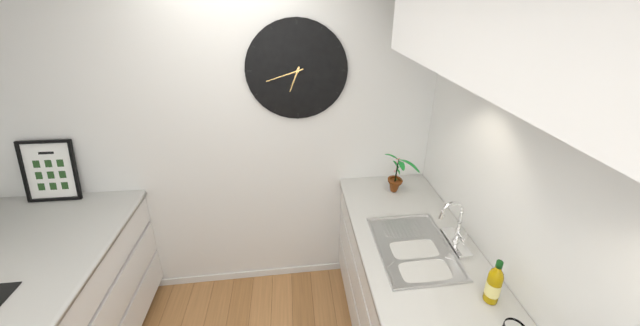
6h42
